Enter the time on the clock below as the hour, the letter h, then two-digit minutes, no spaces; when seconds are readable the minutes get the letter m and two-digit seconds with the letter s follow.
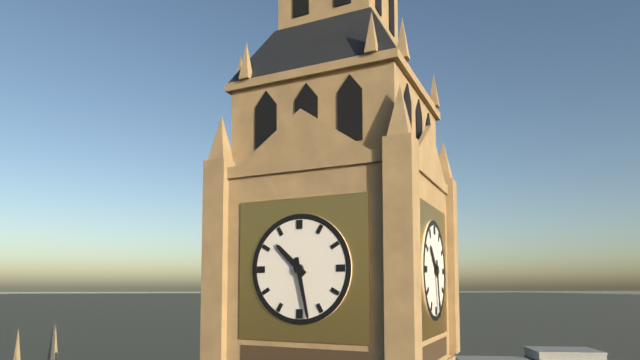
10h28
